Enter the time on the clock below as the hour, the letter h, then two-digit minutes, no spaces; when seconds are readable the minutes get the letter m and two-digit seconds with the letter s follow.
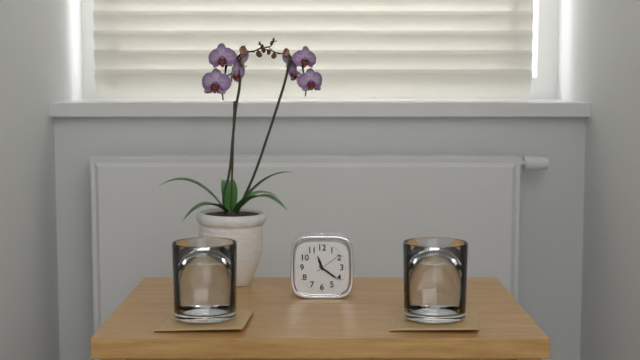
11h21
